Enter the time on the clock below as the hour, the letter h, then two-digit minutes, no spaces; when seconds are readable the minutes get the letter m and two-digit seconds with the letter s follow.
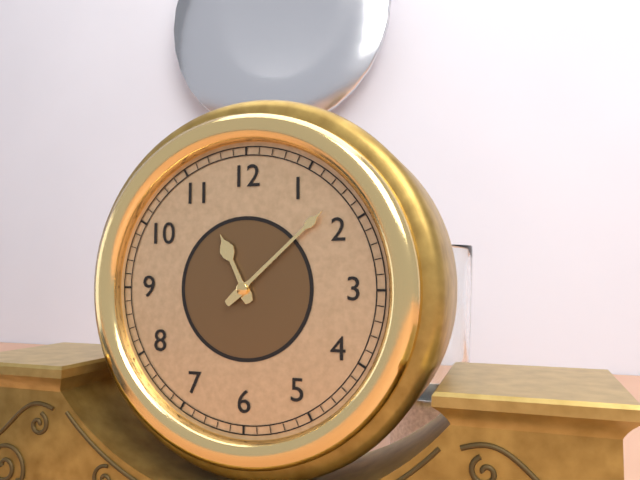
11h08
